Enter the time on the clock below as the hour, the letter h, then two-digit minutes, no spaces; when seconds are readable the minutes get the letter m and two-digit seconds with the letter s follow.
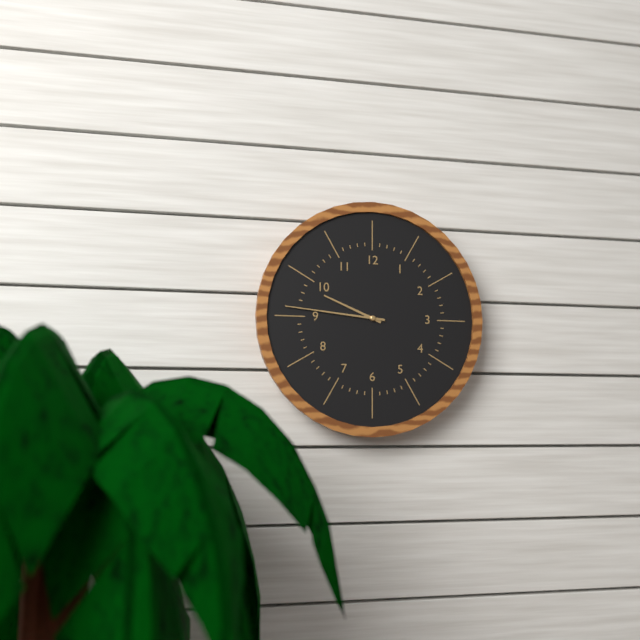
9h46
